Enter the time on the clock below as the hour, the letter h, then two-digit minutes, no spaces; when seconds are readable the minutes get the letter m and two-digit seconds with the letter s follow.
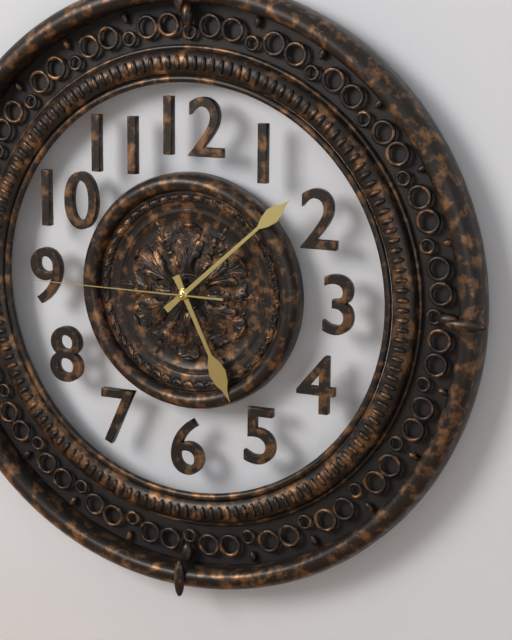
5h08m45s
